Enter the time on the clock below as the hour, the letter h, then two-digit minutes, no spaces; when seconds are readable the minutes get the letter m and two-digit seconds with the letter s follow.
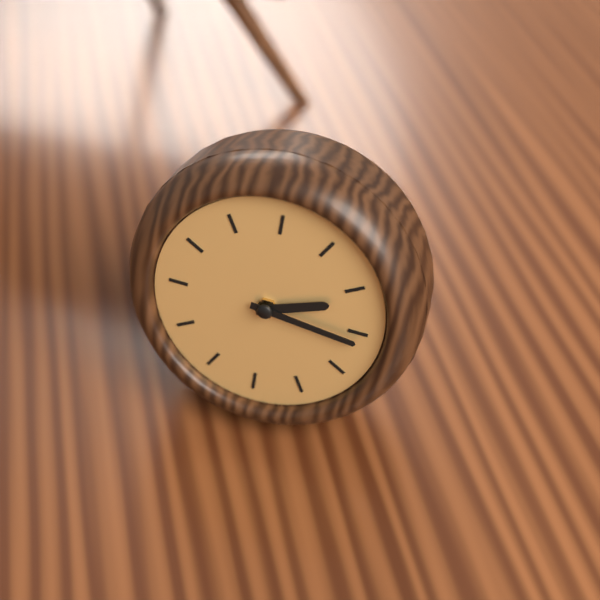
2h16
